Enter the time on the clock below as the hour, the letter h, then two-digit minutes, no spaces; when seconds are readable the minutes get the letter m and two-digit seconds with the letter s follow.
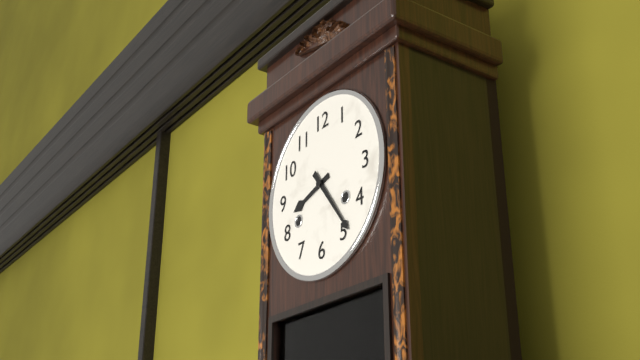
8h24
